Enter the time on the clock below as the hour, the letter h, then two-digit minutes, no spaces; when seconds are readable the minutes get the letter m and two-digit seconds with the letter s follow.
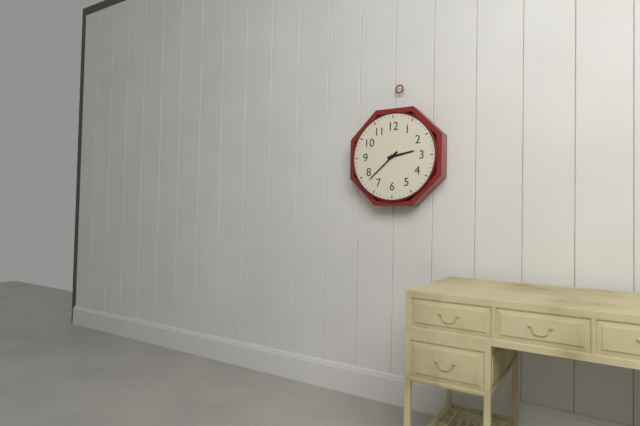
2h38
